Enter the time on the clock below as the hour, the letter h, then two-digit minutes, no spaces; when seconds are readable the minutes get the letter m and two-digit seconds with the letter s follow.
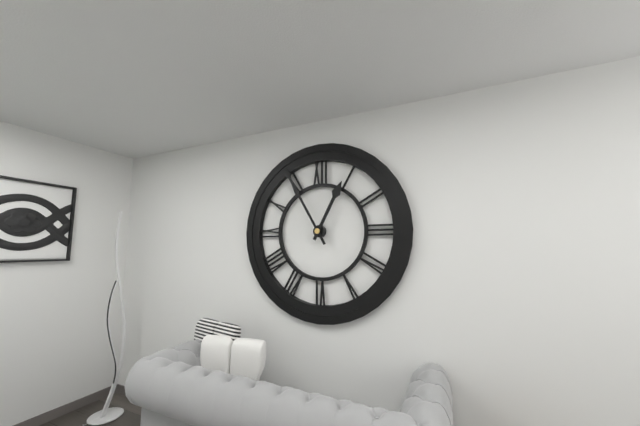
12h55
